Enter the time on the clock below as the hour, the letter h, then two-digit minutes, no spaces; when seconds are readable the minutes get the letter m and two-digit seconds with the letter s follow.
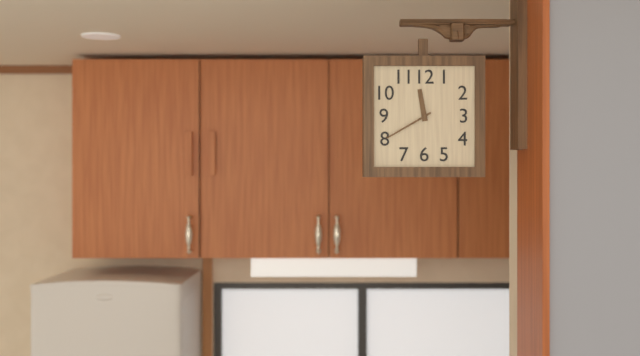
11h40
